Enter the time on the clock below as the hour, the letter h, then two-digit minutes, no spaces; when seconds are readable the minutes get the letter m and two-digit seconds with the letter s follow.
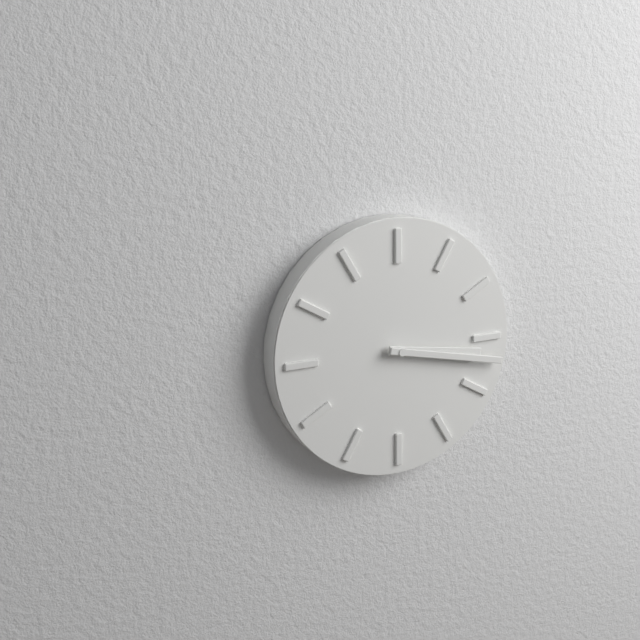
3h17
